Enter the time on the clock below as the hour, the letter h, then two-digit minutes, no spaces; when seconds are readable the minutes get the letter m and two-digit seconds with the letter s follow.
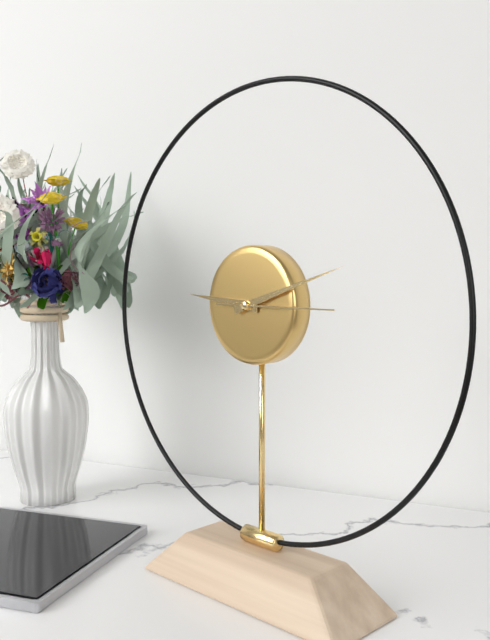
9h12m15s
